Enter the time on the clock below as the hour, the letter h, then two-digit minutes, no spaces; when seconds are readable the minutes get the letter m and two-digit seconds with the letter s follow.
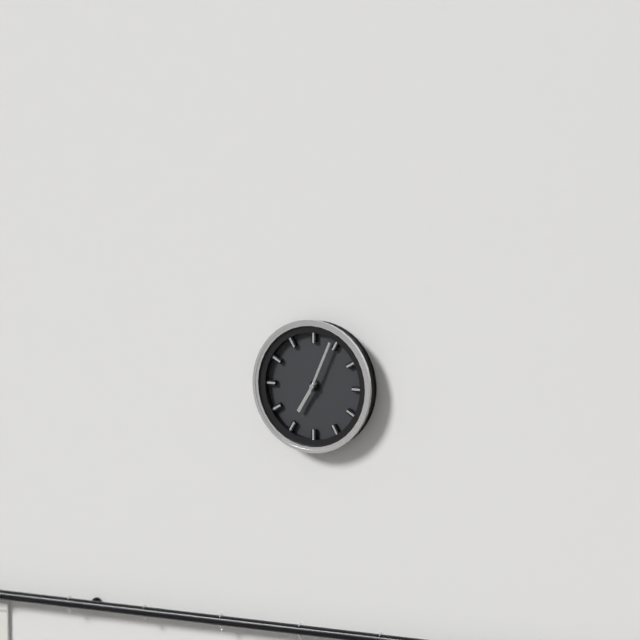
7h04
